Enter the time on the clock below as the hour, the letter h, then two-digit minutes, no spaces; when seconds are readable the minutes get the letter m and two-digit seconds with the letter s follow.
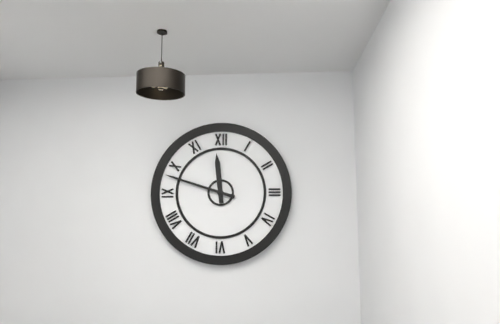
11h48
